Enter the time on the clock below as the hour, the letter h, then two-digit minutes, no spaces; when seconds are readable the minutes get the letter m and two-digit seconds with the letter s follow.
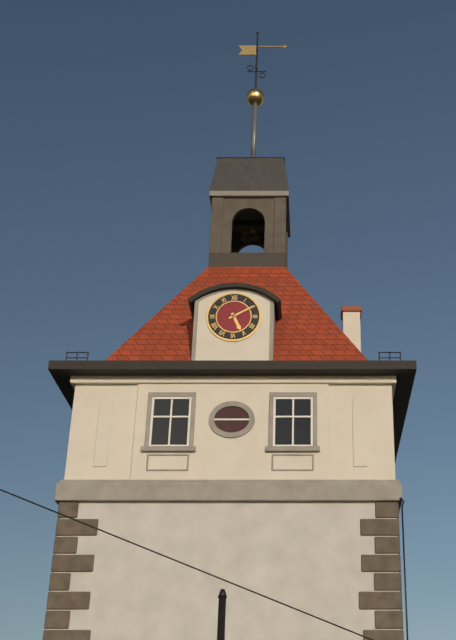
5h10
